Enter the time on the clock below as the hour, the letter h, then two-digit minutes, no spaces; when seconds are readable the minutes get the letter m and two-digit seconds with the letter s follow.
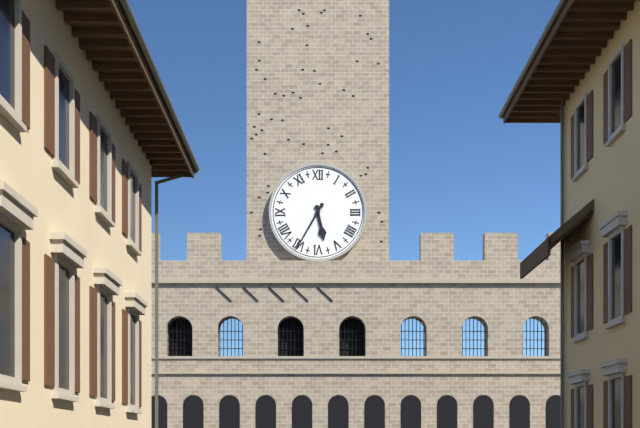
5h35
